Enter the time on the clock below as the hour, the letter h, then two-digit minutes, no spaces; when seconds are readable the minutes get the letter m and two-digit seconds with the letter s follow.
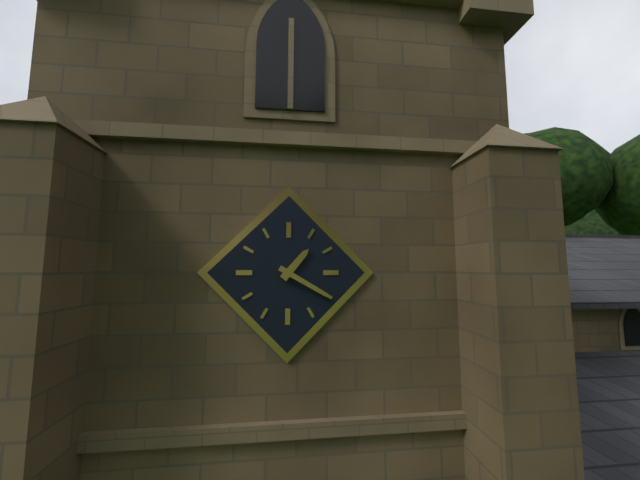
1h20
